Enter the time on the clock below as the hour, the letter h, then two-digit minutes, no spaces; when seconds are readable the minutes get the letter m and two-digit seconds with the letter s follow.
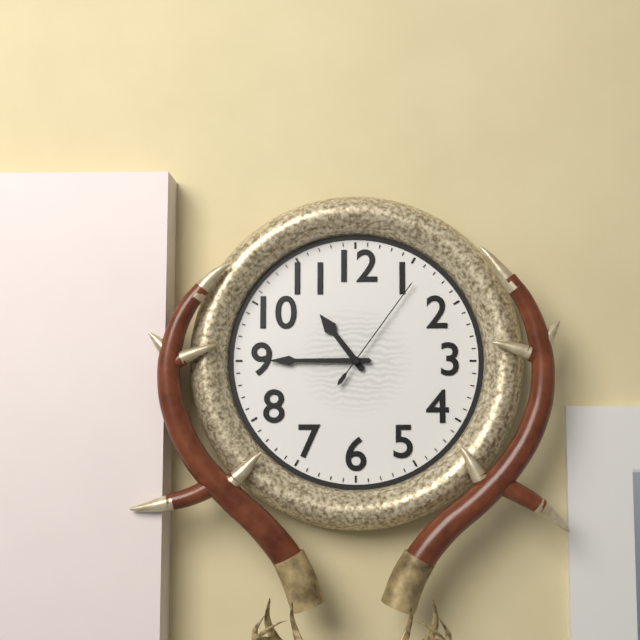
10h45m06s
